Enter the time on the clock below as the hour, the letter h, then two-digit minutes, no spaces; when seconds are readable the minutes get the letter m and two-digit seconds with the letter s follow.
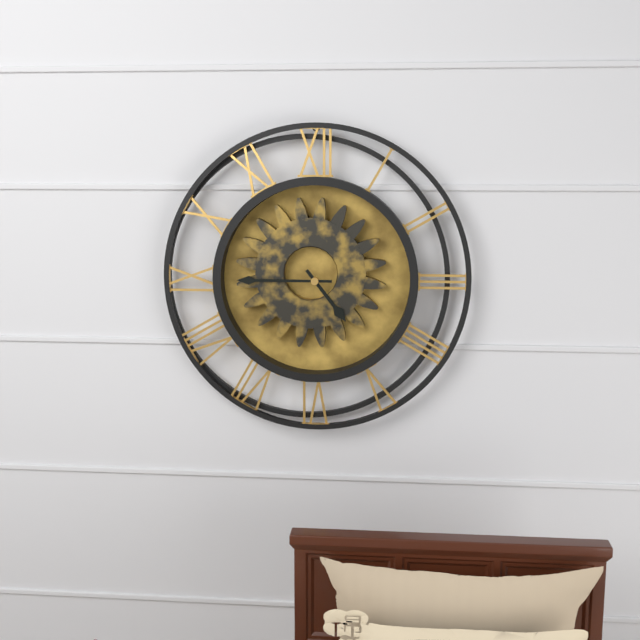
4h45
